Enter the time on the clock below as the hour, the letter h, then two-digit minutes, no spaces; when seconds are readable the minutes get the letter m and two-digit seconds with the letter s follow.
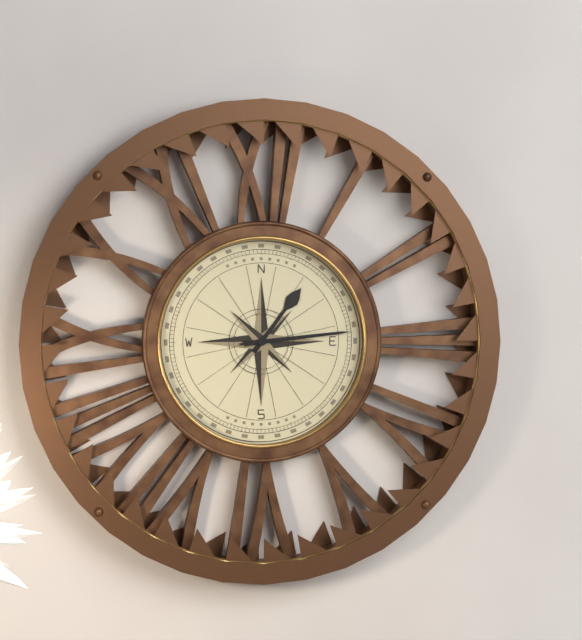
1h14m14s
